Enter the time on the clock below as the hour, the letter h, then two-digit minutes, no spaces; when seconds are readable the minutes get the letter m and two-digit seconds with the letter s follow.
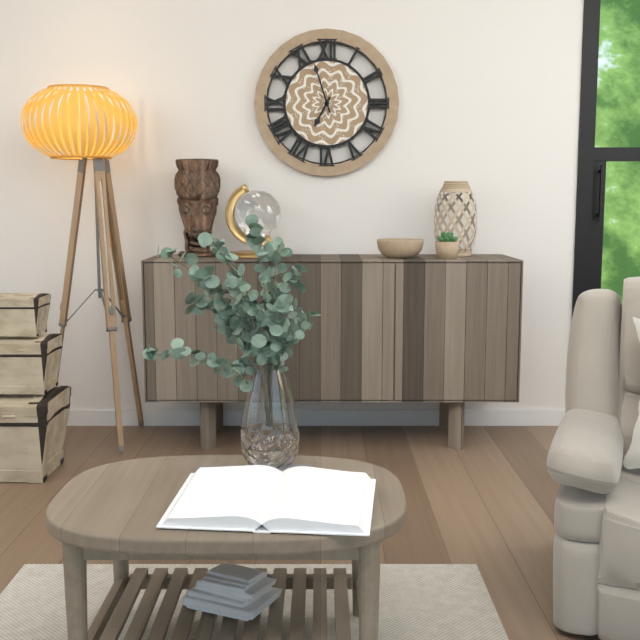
6h57
